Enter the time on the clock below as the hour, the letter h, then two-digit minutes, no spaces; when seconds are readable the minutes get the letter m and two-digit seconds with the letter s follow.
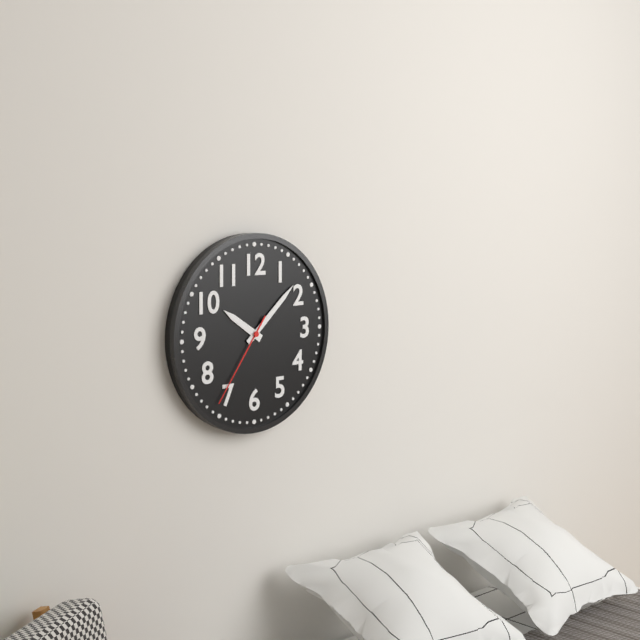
10h08m36s
